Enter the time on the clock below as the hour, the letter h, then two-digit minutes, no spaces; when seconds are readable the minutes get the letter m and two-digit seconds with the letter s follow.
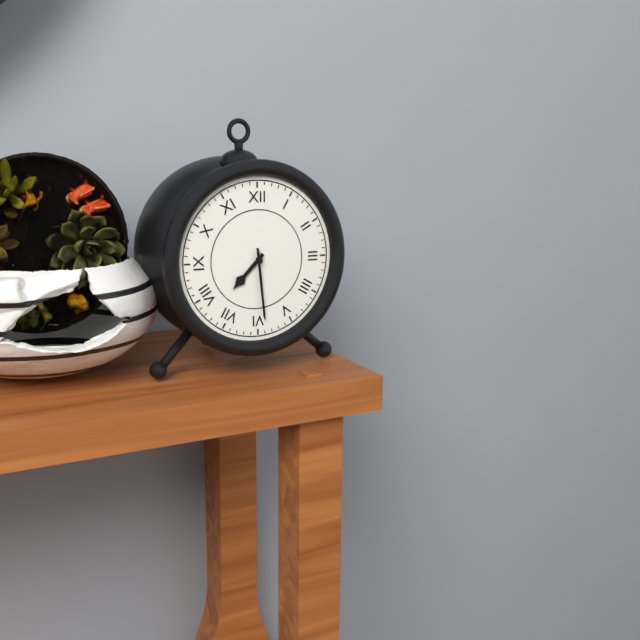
7h29
